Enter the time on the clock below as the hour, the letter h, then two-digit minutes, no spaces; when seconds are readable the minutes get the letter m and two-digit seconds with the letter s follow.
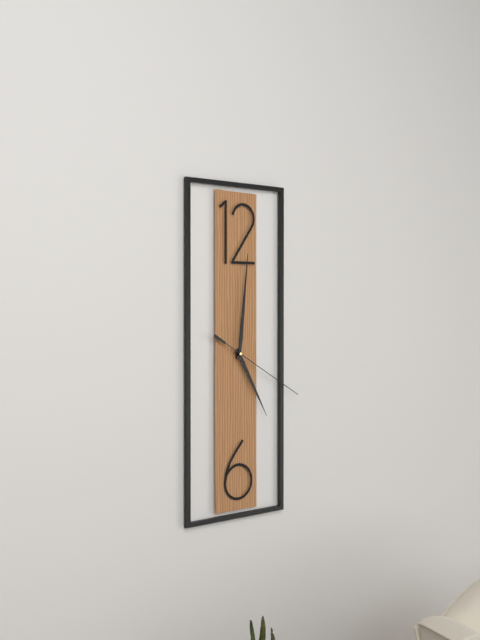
5h01m20s
